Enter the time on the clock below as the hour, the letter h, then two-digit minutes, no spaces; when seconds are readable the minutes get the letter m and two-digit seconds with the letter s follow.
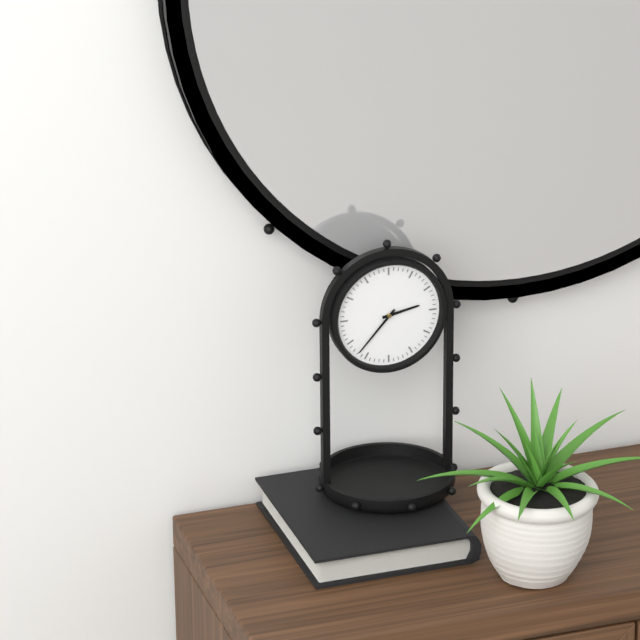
2h37
